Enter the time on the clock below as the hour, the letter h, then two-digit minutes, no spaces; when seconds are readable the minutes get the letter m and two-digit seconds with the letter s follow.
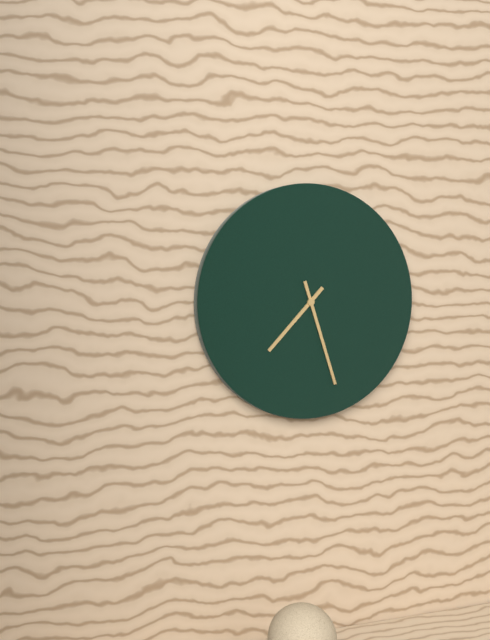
7h27
